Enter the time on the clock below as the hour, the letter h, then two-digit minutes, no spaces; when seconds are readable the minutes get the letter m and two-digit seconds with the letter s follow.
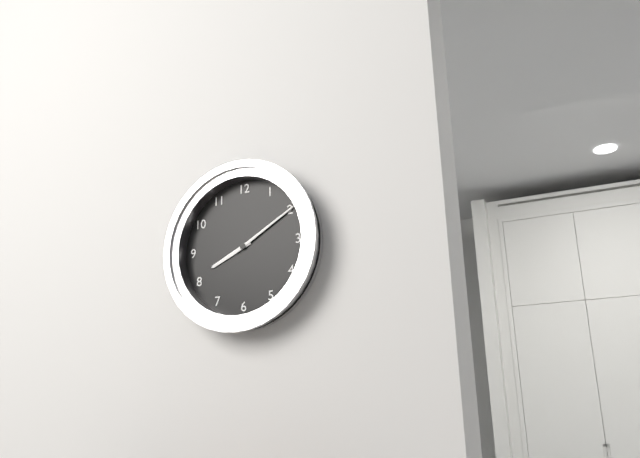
8h10
